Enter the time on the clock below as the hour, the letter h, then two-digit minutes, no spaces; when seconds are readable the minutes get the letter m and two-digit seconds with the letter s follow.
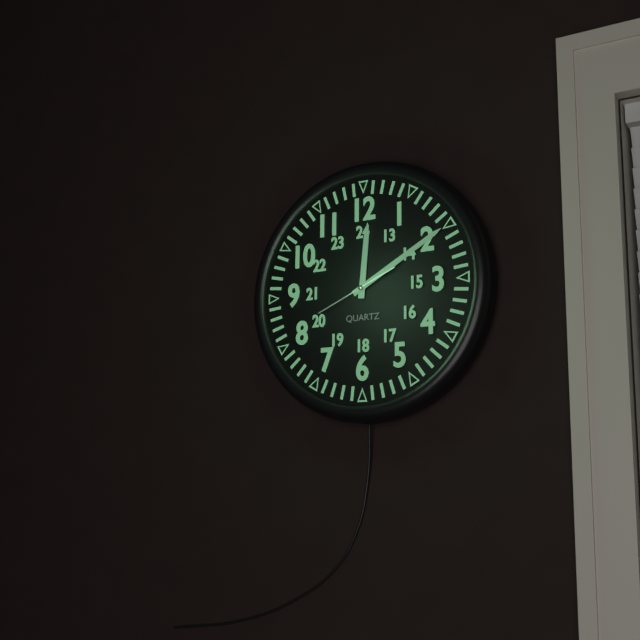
12h10m41s
